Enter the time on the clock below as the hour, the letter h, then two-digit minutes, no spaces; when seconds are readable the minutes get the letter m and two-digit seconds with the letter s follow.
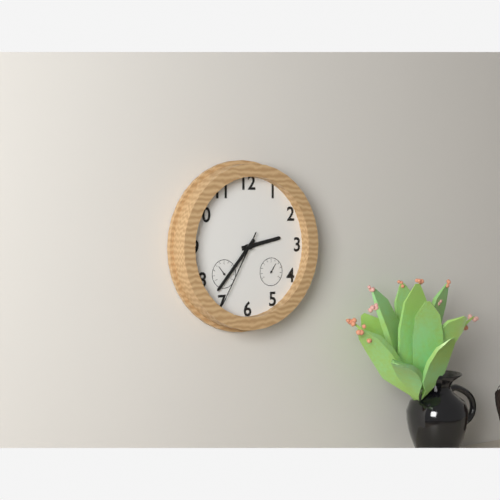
2h37m35s
